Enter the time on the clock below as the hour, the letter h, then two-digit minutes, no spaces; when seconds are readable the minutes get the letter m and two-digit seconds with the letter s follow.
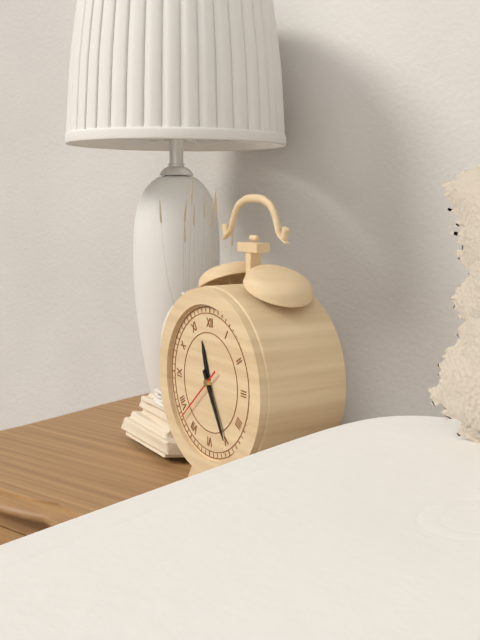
11h25m38s
